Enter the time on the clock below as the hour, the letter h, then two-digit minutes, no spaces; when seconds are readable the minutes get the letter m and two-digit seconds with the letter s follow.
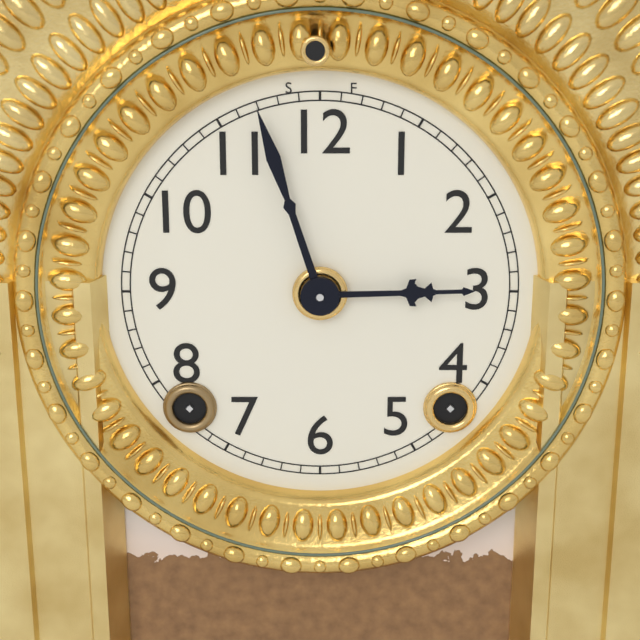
2h57
